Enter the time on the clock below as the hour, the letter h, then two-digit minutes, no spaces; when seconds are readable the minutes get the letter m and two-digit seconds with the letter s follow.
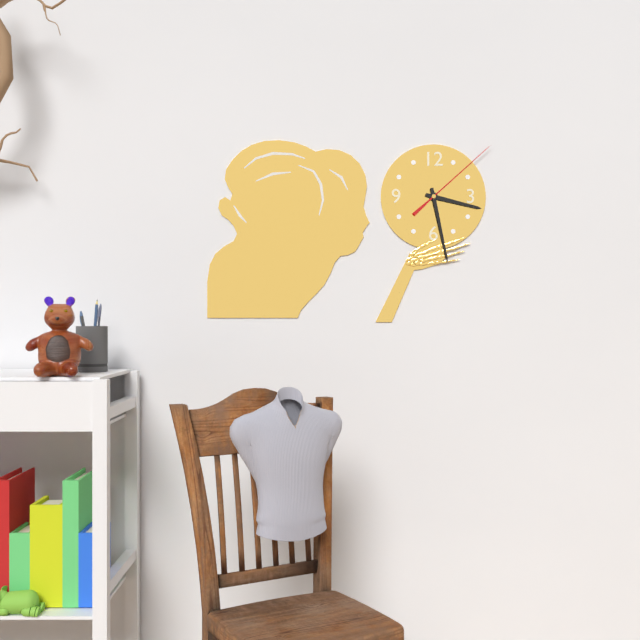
3h28m08s
